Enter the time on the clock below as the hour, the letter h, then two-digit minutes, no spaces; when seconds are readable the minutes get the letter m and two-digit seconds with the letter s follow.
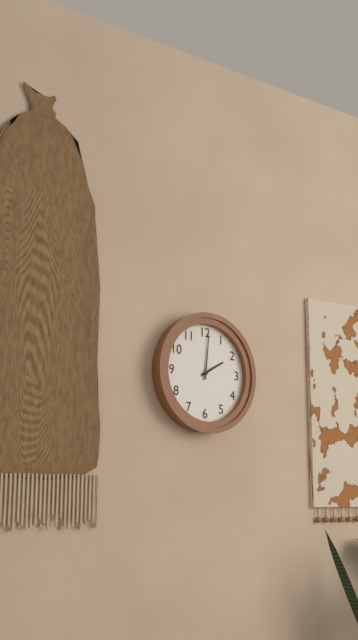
2h01
